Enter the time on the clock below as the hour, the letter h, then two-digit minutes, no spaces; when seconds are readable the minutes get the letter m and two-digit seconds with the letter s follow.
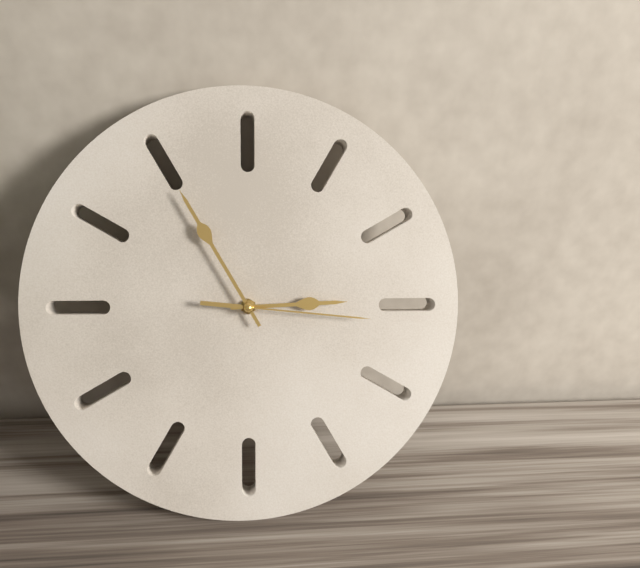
2h55m16s
